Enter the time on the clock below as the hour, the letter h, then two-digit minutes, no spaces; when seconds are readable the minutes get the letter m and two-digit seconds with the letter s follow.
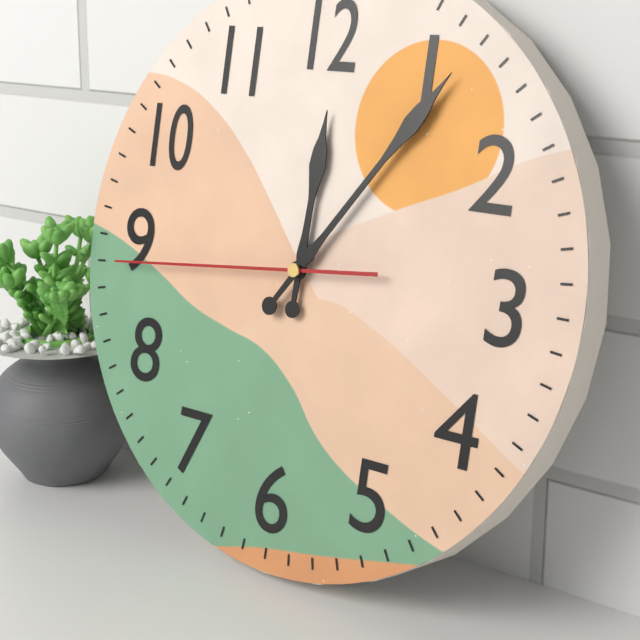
12h06m44s
